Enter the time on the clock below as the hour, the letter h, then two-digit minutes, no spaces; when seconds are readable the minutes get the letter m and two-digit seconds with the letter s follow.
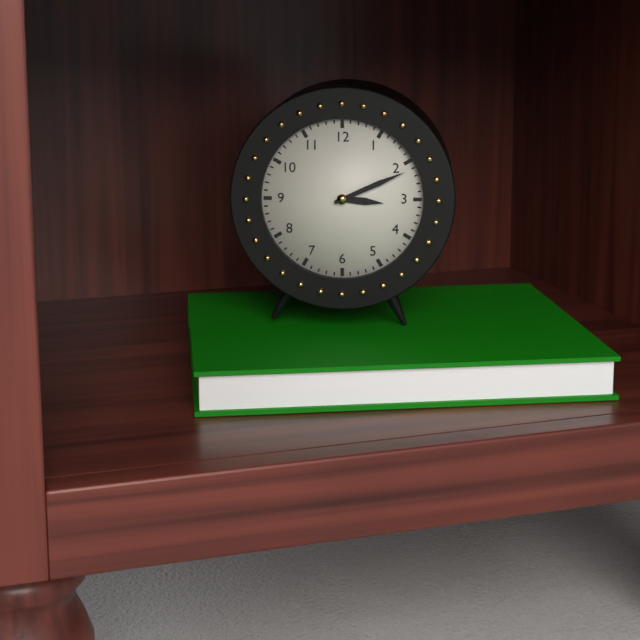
3h11
